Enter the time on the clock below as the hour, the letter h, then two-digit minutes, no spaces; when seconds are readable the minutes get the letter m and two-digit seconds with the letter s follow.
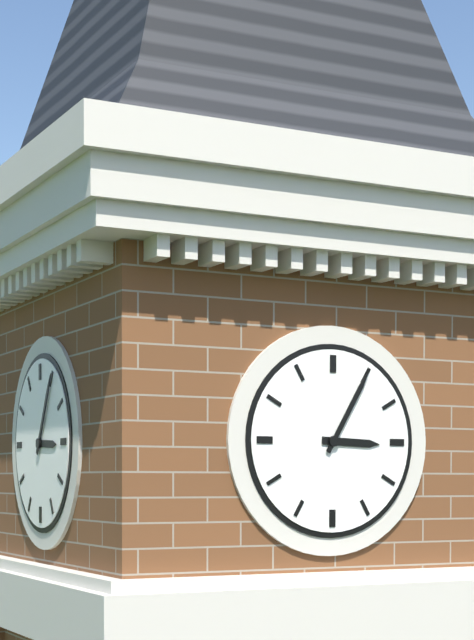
3h05
